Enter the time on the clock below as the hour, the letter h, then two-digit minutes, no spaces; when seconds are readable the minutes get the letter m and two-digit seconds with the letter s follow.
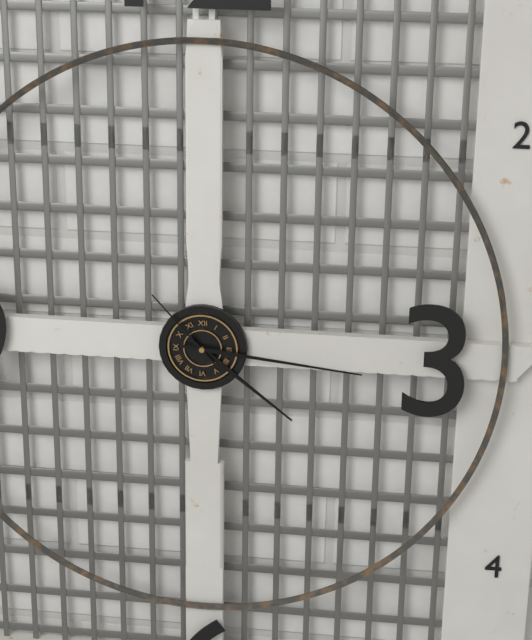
4h16m53s
